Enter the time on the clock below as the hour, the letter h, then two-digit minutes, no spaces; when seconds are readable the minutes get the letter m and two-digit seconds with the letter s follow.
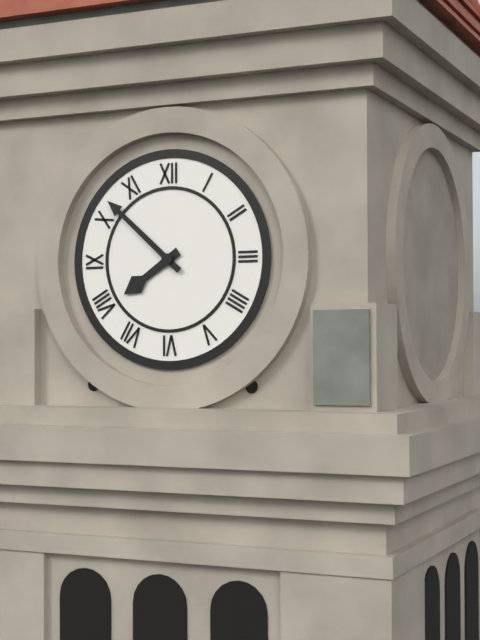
7h52
